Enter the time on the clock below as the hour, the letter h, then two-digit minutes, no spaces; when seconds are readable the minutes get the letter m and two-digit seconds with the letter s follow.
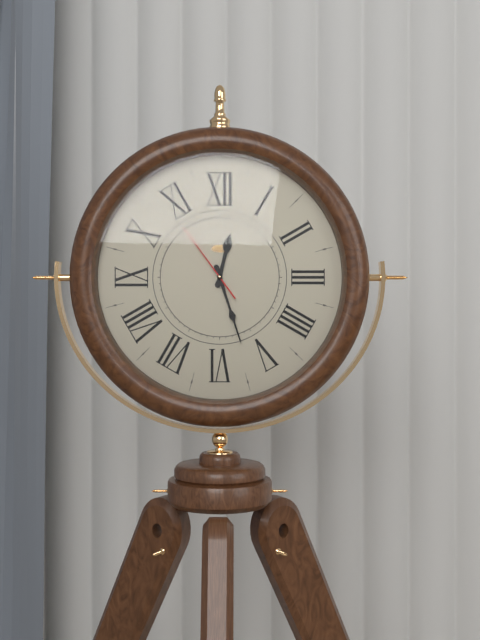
12h27m54s
